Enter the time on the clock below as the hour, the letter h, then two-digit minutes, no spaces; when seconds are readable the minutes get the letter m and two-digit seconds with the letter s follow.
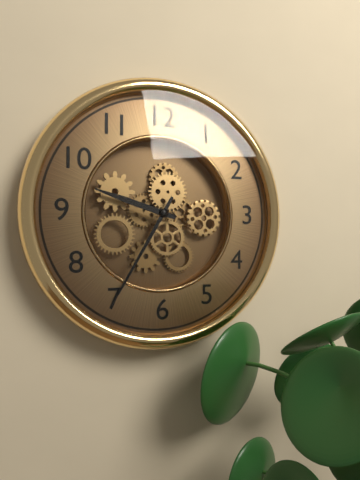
9h35
